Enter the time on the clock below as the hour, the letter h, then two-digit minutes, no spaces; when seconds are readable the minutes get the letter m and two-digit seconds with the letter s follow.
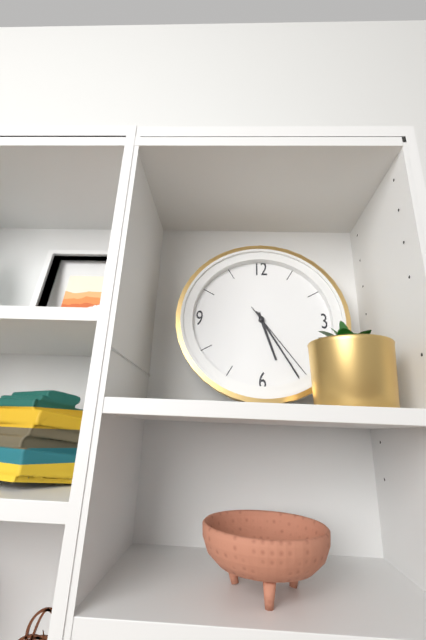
5h25m24s
